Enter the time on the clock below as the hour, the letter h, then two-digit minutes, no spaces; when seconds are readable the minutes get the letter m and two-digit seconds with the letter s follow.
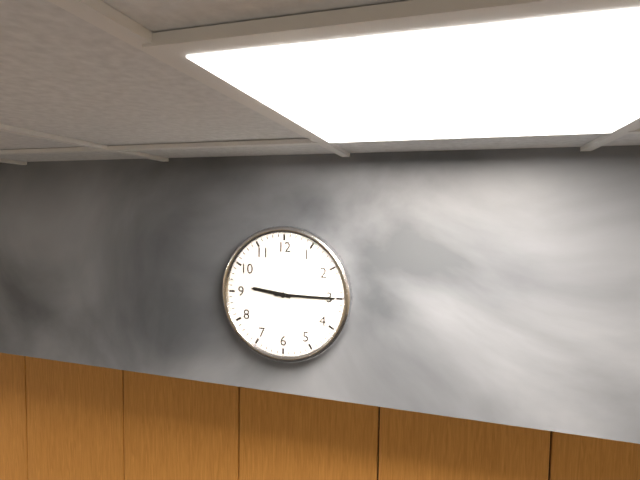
9h15
